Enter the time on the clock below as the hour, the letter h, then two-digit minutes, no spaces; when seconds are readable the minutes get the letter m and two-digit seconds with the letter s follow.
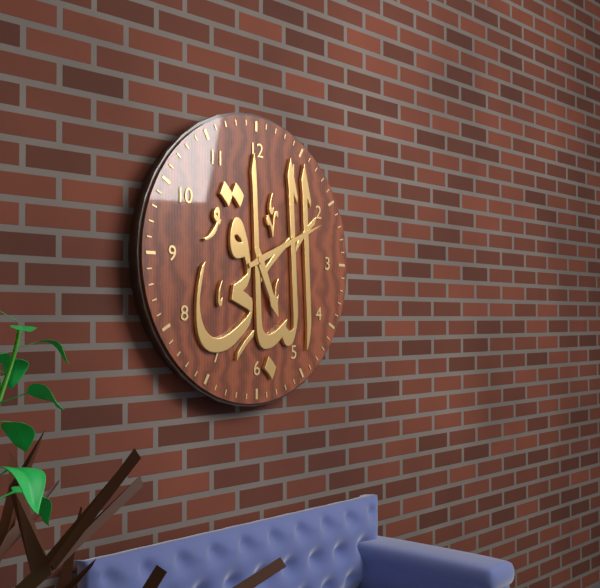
5h11
